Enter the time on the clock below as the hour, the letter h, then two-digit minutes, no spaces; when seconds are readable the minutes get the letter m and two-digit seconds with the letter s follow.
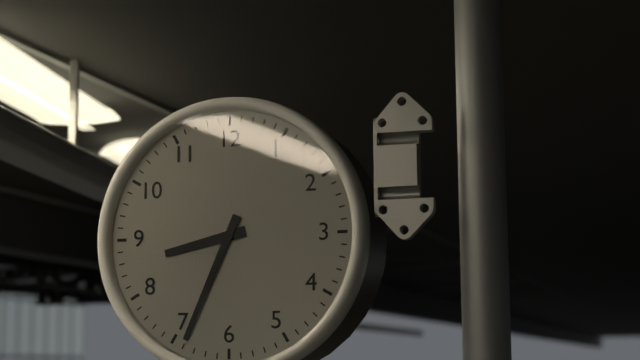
8h34
